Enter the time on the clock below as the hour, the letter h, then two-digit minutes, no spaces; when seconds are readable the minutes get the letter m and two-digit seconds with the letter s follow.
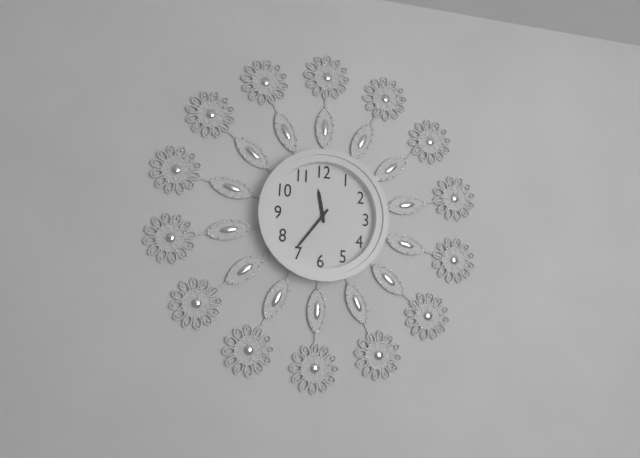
11h36
